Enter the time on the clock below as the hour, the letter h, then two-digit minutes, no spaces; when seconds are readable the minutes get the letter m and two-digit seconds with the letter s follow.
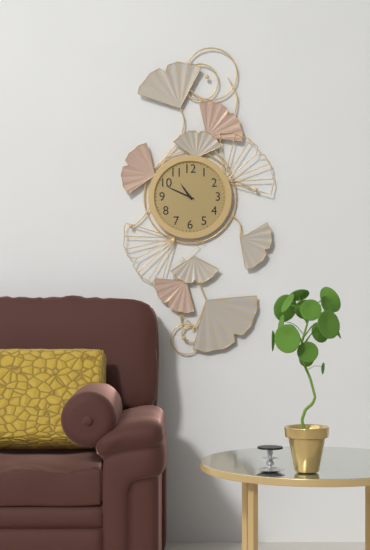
10h49
